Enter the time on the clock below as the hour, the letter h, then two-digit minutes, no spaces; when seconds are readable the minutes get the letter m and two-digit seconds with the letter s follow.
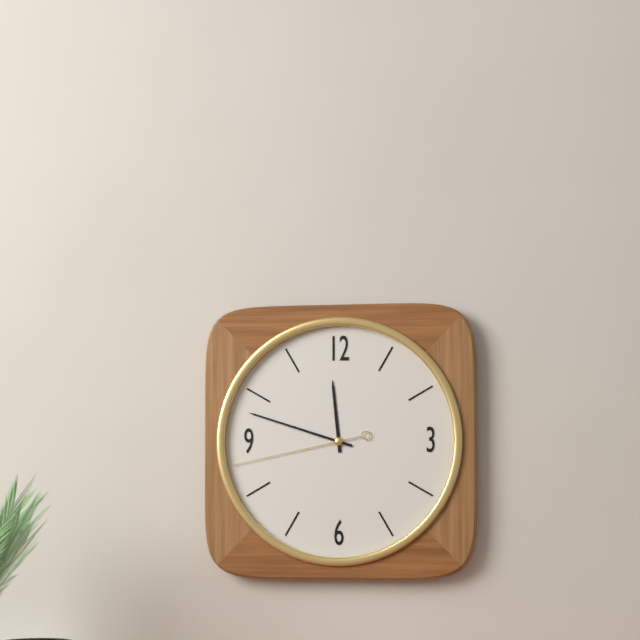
11h48m43s
